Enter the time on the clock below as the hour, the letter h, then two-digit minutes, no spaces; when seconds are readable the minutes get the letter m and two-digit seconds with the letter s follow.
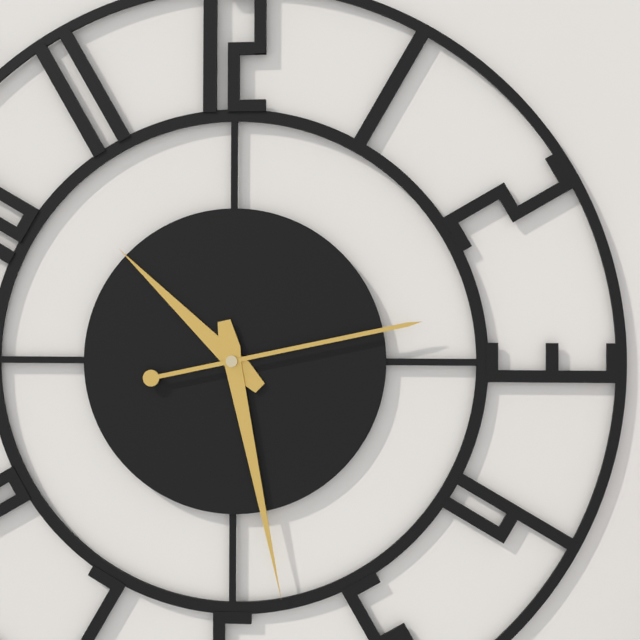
10h28m13s
